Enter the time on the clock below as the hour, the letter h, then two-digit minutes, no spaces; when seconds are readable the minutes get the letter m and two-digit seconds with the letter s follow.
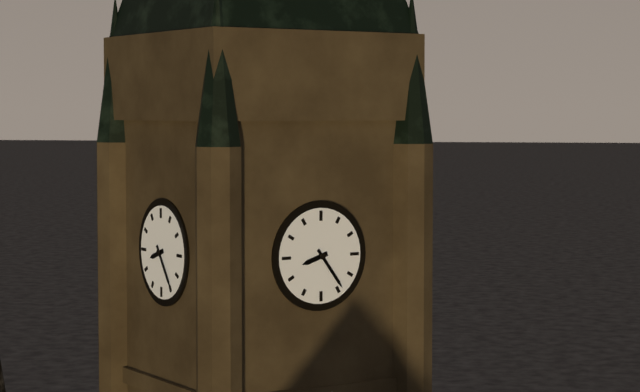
8h24
